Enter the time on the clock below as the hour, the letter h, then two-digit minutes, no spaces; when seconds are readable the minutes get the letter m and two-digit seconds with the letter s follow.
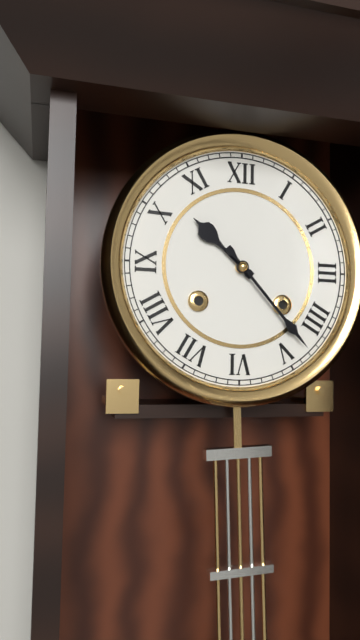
10h23
